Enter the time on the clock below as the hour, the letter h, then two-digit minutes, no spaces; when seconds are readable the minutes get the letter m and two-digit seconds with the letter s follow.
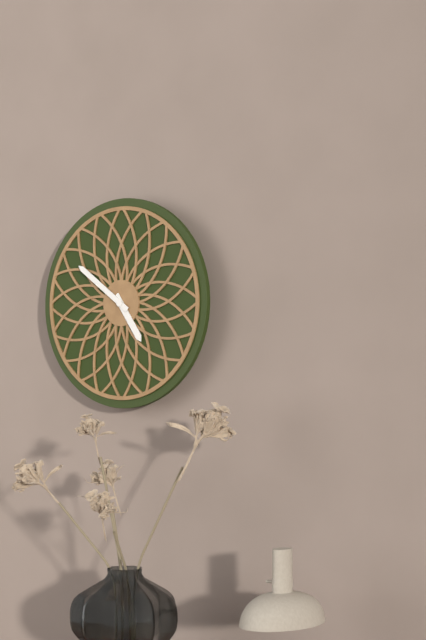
4h51
